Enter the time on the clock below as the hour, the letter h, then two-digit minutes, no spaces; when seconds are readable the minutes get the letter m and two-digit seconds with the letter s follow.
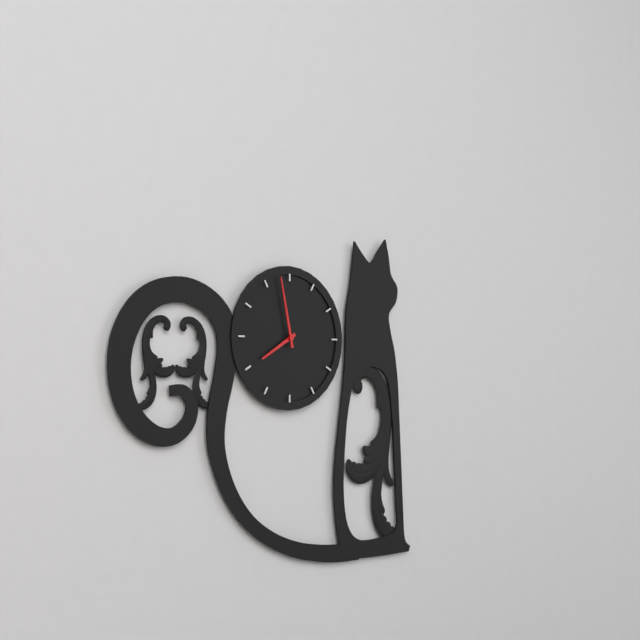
7h58
